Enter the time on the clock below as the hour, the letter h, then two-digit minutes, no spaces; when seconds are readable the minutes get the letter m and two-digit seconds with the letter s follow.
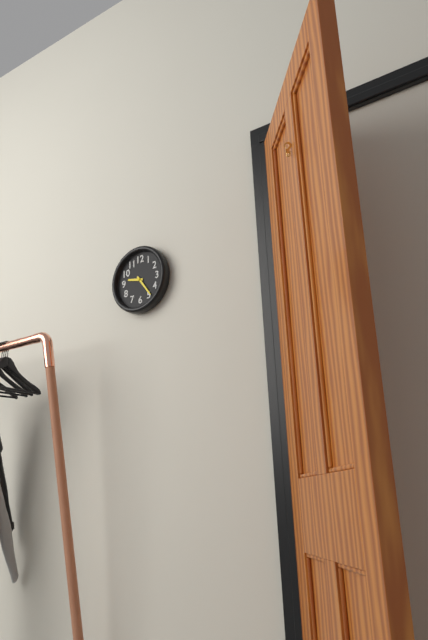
9h24
